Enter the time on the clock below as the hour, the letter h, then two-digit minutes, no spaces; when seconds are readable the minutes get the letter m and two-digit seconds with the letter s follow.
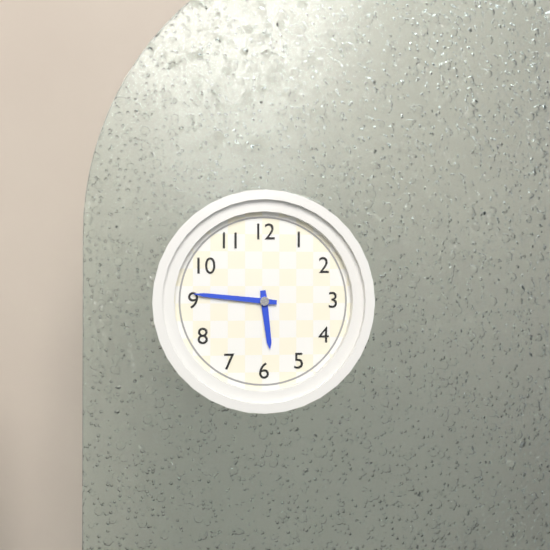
5h46
